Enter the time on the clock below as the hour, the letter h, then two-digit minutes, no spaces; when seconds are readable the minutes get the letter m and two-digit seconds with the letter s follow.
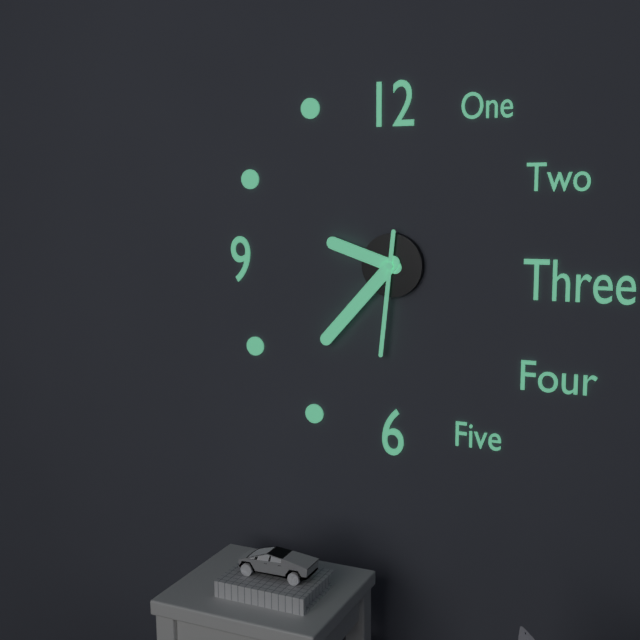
9h37m31s
